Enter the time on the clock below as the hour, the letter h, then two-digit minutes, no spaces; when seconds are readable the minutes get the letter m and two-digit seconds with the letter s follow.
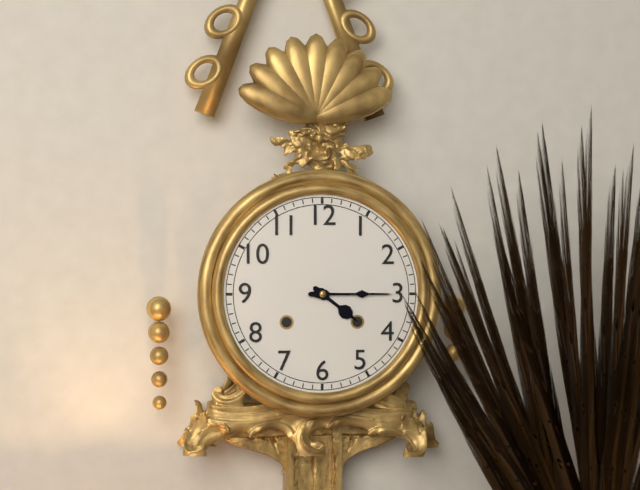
4h15
